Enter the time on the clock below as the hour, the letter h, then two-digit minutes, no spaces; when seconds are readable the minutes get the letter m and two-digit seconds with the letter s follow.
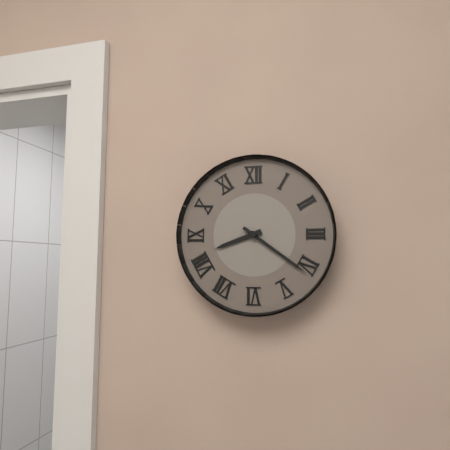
8h21
